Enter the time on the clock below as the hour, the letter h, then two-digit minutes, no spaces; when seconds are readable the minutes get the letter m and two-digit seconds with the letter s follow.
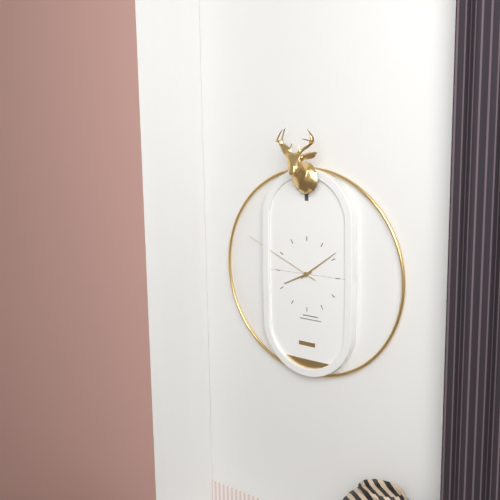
8h09m49s
